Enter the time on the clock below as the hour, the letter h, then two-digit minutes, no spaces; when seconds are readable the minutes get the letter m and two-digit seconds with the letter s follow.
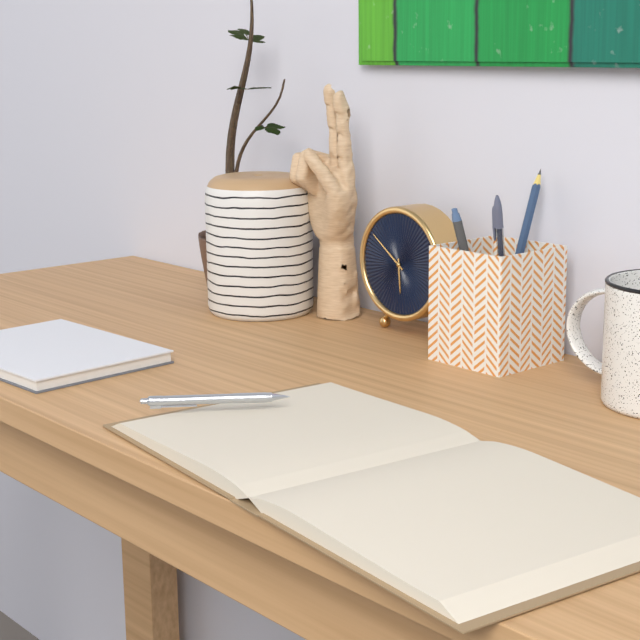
5h51
